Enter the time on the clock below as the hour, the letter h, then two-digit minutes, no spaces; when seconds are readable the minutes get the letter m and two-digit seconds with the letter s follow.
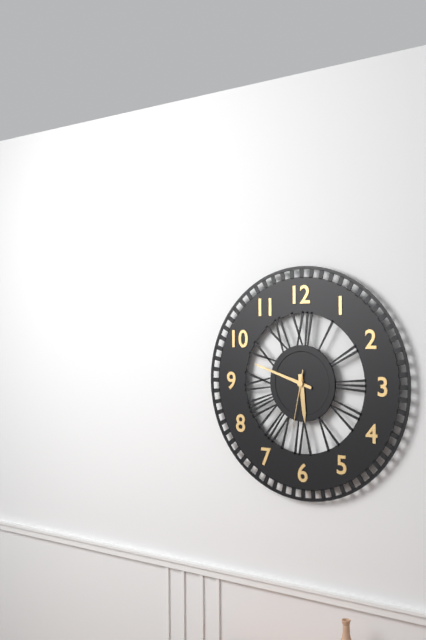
5h48m32s
